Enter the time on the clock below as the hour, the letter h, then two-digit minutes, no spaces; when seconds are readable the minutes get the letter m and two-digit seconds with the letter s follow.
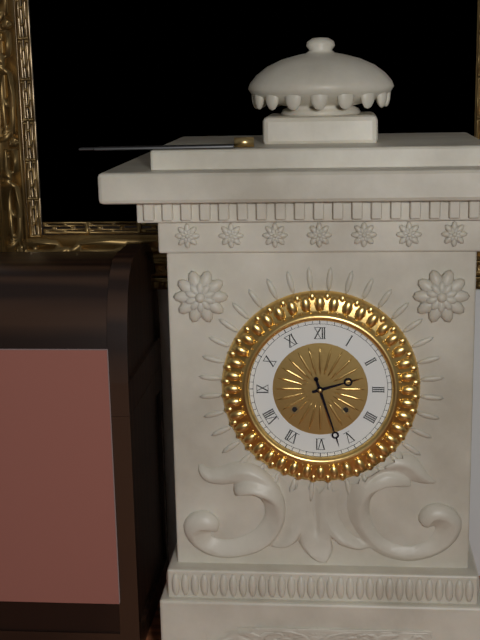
2h27
